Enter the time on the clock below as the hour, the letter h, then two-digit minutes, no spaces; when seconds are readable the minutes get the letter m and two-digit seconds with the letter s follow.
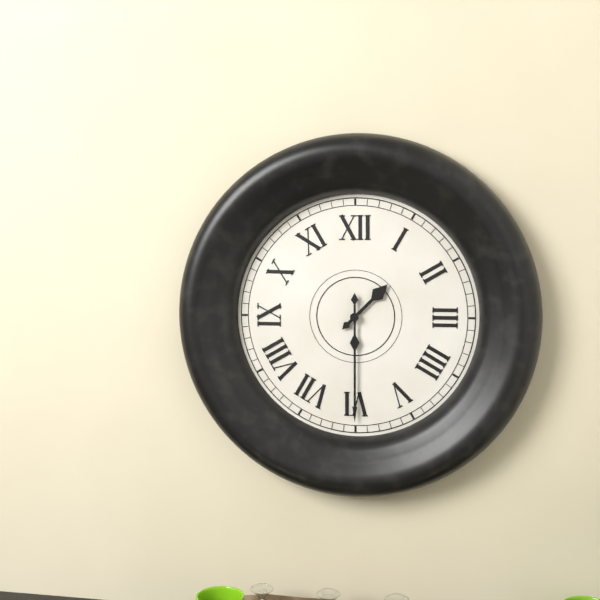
1h30
